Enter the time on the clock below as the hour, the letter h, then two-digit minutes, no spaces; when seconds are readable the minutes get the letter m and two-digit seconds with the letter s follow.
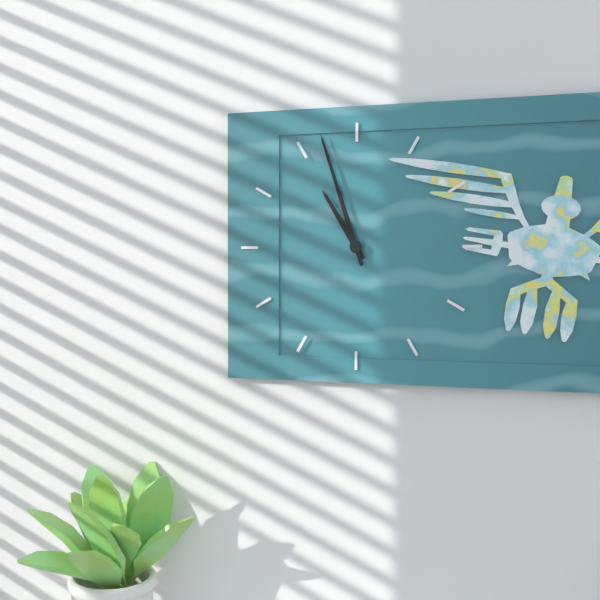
10h57
